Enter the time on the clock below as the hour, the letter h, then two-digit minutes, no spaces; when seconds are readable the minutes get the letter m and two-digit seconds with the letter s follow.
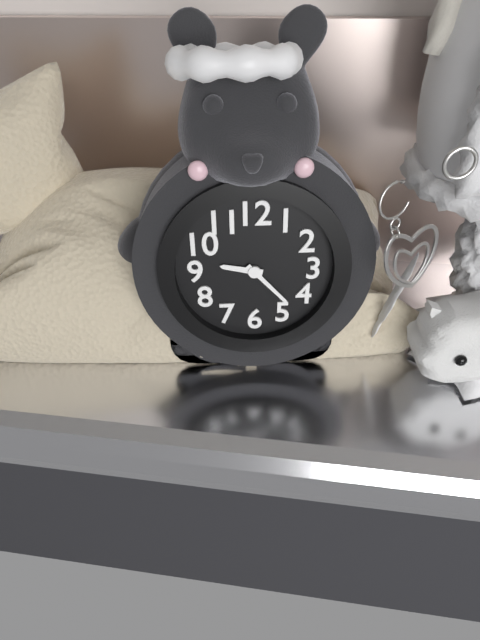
9h23
